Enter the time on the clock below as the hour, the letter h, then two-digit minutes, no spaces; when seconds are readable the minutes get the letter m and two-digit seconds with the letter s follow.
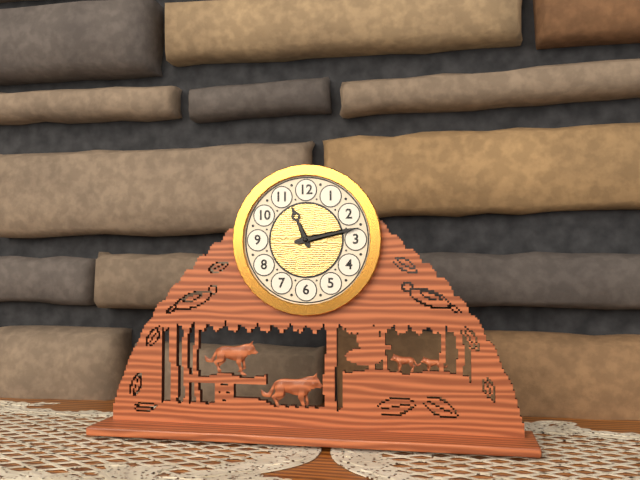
11h13
